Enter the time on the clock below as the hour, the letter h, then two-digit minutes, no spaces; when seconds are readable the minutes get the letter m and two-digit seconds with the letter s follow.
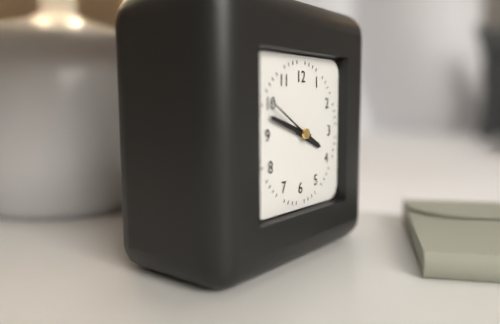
3h48m50s
